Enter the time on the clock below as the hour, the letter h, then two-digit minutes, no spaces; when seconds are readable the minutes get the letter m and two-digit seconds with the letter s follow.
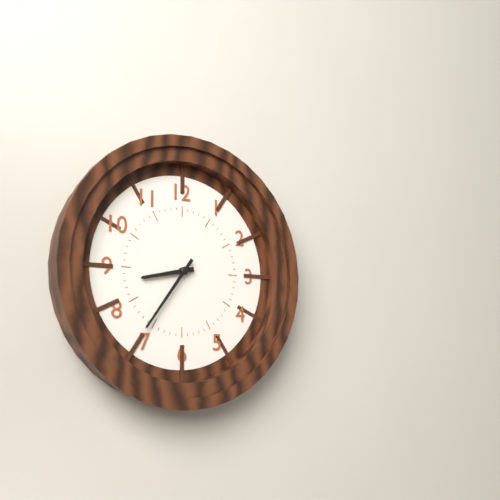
8h36
